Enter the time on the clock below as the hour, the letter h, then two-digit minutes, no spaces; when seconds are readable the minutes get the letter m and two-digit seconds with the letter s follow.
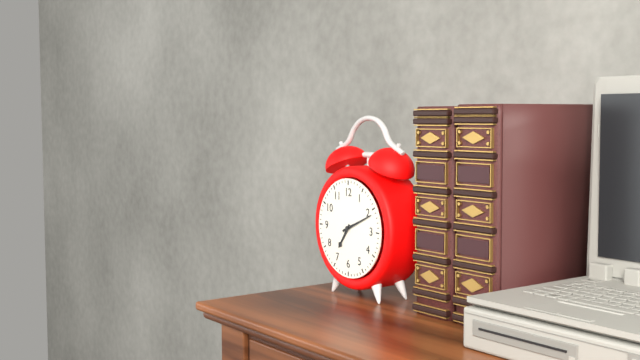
7h11
